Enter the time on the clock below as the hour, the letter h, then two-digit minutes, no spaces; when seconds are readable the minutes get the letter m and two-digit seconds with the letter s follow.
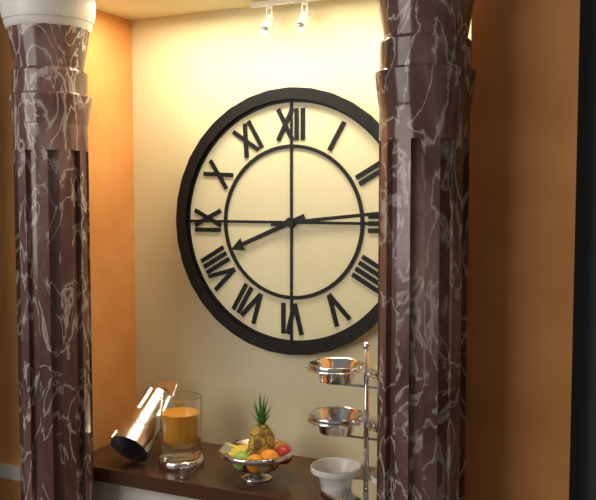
8h14
